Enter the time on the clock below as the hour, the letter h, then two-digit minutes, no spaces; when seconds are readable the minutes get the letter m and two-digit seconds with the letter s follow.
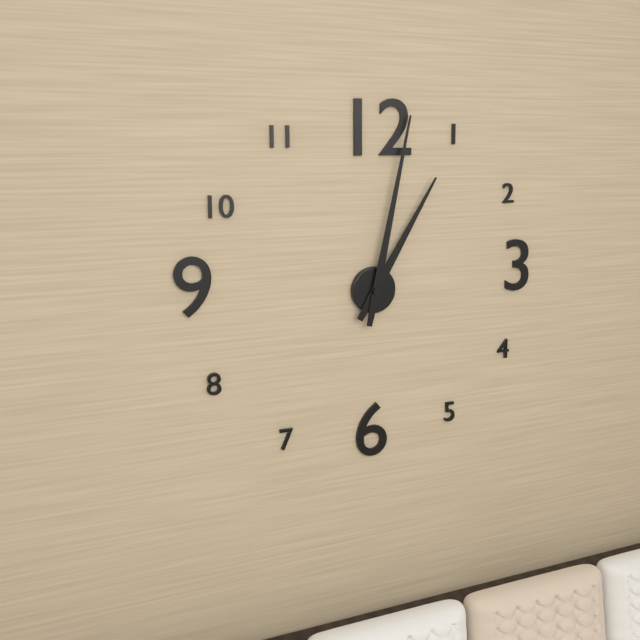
1h02
